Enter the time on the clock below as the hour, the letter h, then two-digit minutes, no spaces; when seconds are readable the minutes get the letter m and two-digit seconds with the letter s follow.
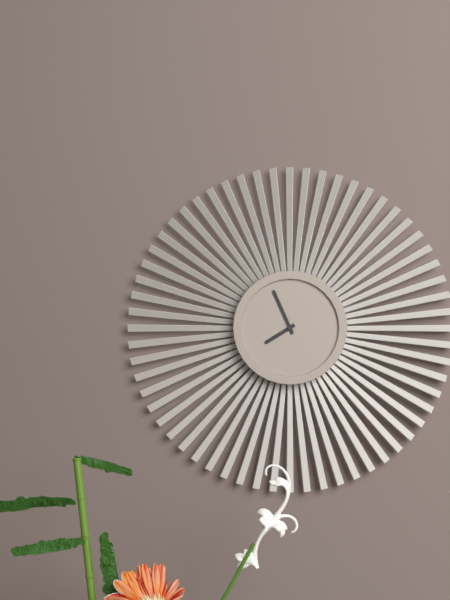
7h56
